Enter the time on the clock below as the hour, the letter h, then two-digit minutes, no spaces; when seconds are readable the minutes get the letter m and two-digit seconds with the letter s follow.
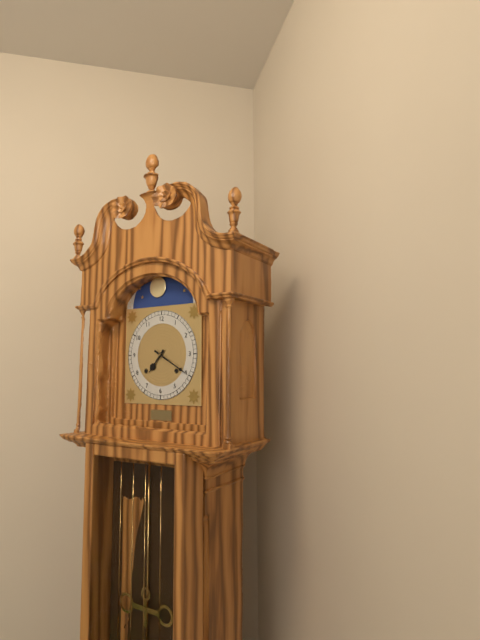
7h20
